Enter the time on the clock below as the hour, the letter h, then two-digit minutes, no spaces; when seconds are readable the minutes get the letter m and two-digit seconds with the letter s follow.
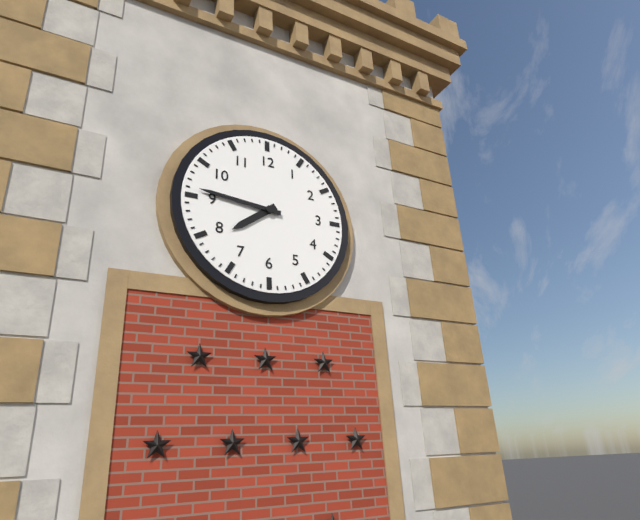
7h46
